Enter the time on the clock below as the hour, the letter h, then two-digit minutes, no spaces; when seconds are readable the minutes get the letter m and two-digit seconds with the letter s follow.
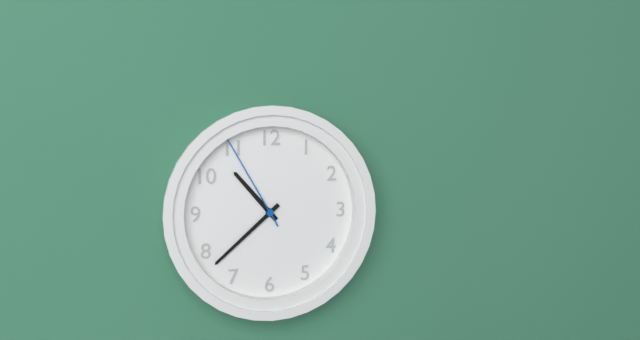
10h38m55s
